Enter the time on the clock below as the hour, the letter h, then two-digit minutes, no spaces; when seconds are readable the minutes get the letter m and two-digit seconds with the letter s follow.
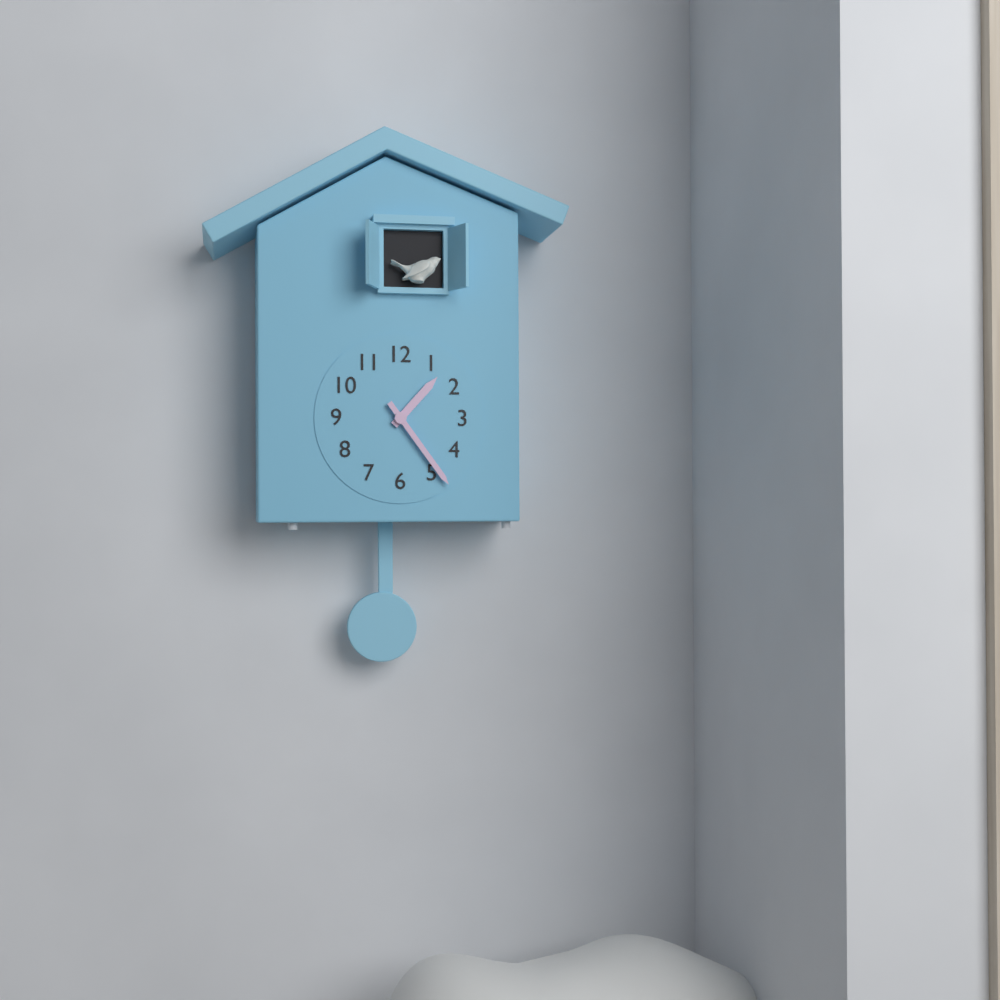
1h24
